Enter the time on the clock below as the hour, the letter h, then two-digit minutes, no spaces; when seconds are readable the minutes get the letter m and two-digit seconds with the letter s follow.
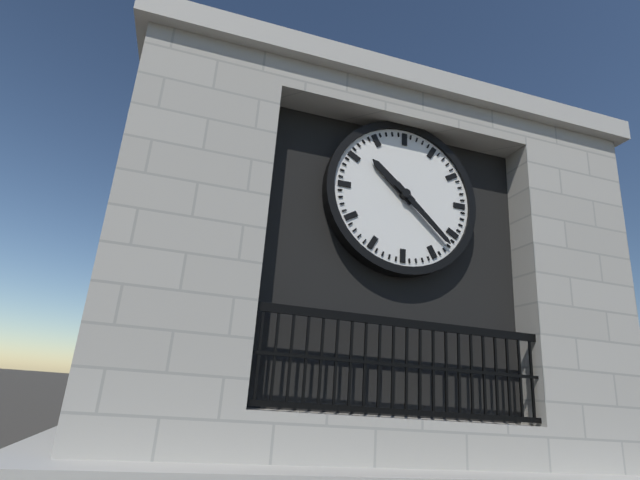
10h22
